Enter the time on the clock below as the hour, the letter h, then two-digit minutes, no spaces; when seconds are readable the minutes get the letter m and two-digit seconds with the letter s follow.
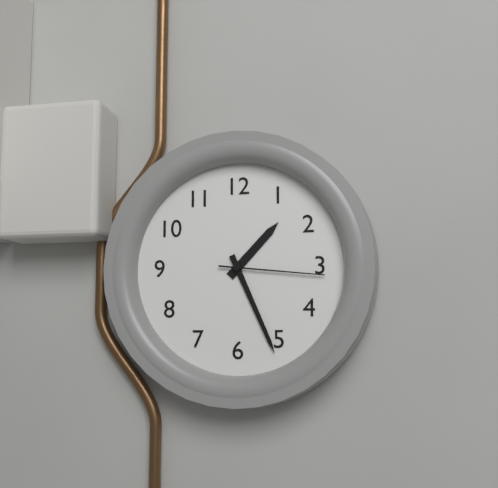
1h26m16s
